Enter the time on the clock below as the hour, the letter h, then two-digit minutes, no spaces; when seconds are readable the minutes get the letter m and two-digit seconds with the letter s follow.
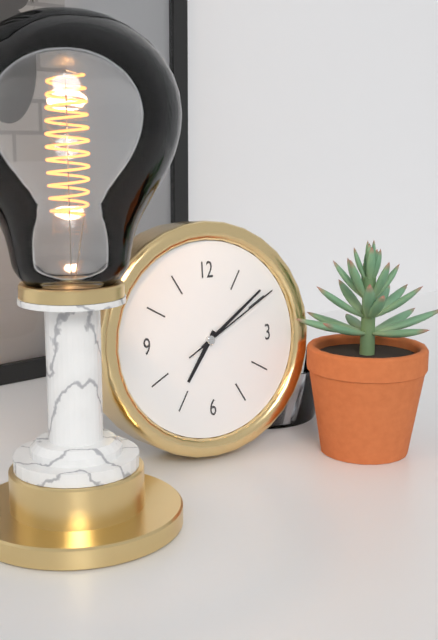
7h09m10s
